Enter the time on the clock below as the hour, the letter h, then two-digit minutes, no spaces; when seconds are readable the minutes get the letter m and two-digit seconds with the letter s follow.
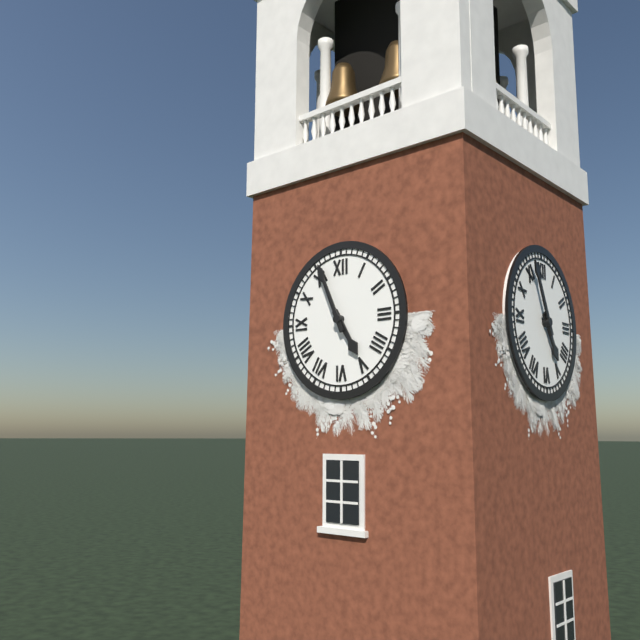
4h56
